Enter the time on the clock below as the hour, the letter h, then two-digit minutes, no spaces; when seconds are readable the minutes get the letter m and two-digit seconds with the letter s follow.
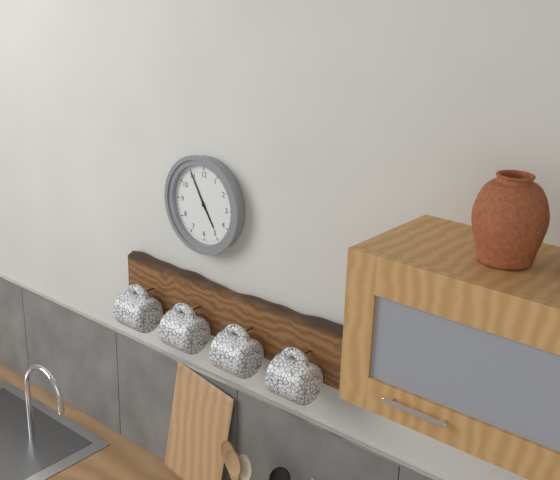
4h55
